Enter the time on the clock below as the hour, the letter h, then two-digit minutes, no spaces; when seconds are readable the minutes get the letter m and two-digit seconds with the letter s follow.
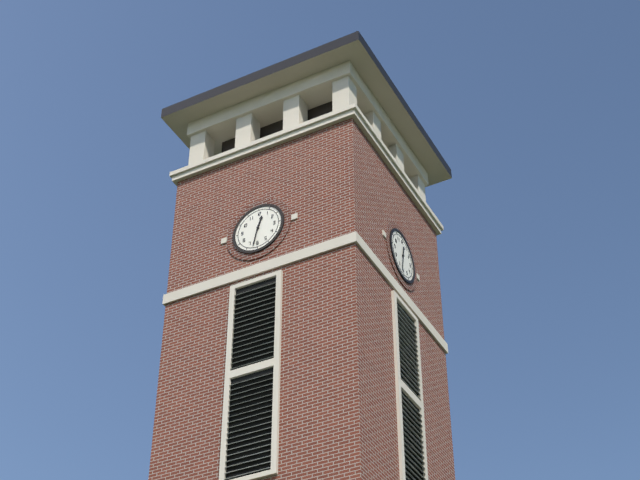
12h32
